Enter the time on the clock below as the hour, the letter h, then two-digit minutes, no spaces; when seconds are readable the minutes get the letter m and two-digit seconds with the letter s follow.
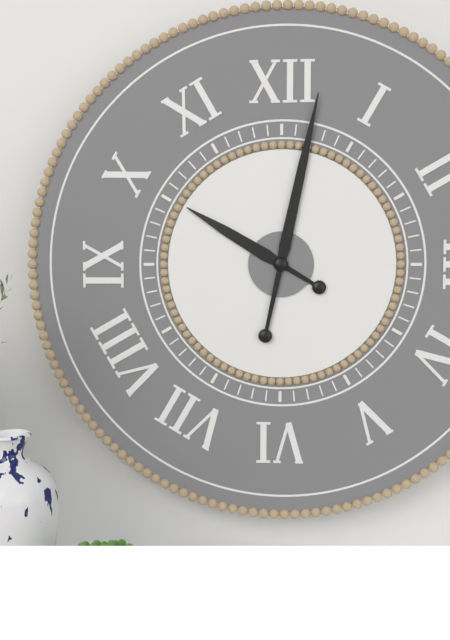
10h02
